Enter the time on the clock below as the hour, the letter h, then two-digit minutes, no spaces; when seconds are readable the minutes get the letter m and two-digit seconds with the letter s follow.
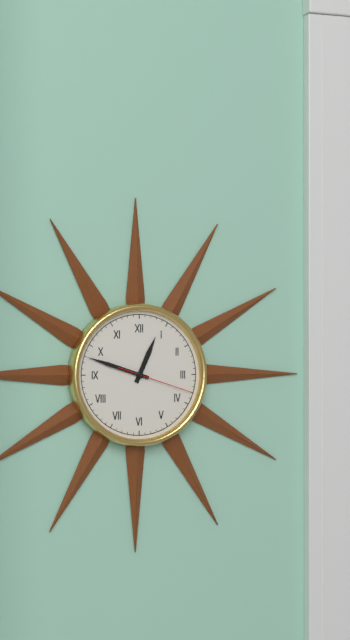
12h48m18s
